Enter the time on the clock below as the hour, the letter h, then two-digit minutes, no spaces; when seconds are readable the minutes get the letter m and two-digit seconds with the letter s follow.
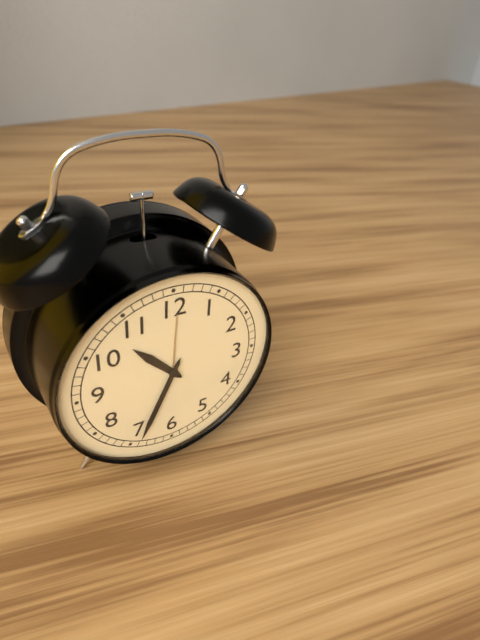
10h34
